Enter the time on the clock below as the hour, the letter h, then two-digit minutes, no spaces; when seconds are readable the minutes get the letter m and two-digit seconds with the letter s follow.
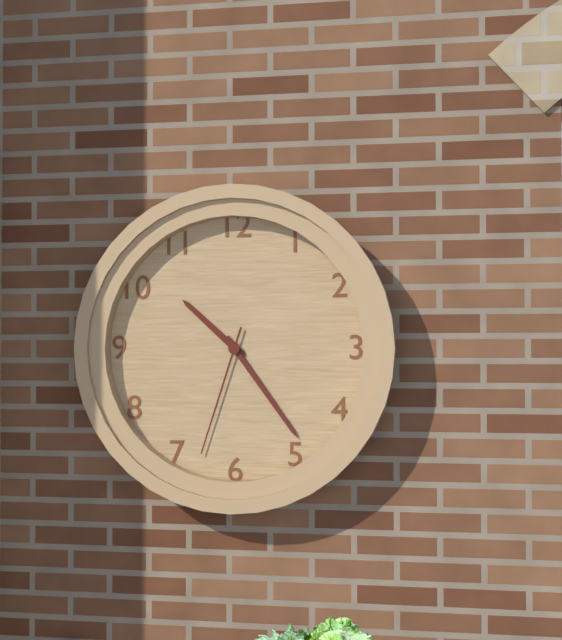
10h24m33s
